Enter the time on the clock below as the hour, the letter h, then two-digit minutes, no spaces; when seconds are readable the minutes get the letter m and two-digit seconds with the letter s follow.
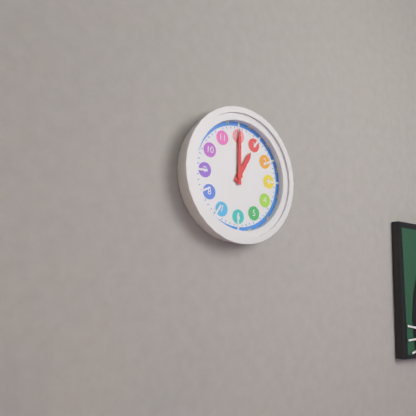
1h00
